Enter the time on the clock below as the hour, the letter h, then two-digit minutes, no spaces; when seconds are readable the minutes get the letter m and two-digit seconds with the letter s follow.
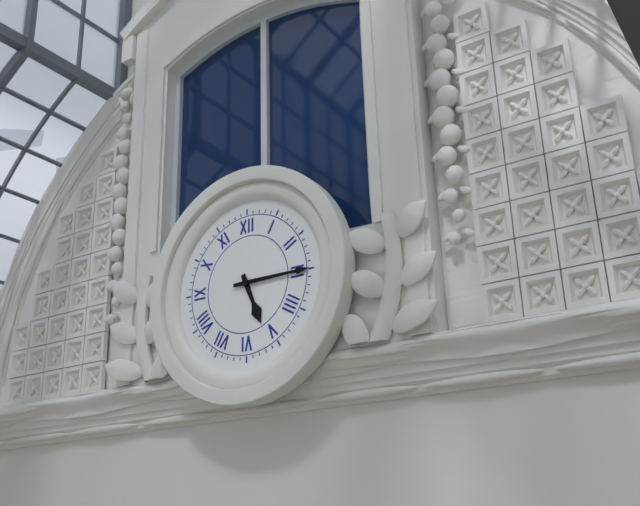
5h15
